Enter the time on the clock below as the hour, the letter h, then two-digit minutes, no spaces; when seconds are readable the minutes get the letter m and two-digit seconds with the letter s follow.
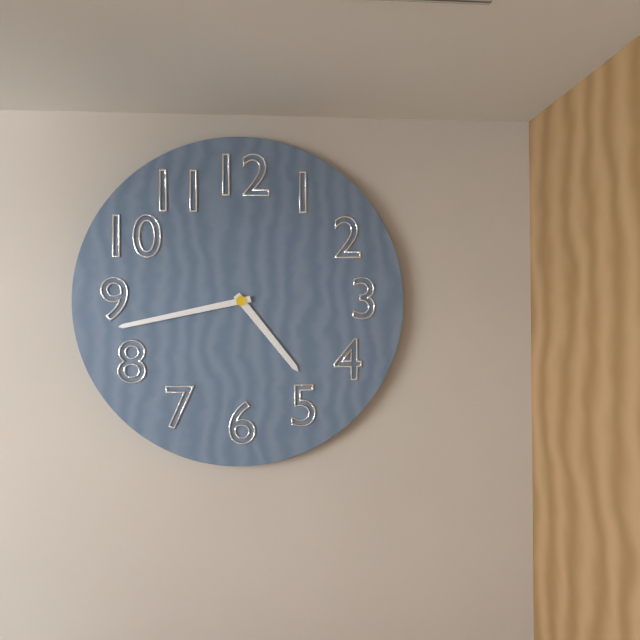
4h43
